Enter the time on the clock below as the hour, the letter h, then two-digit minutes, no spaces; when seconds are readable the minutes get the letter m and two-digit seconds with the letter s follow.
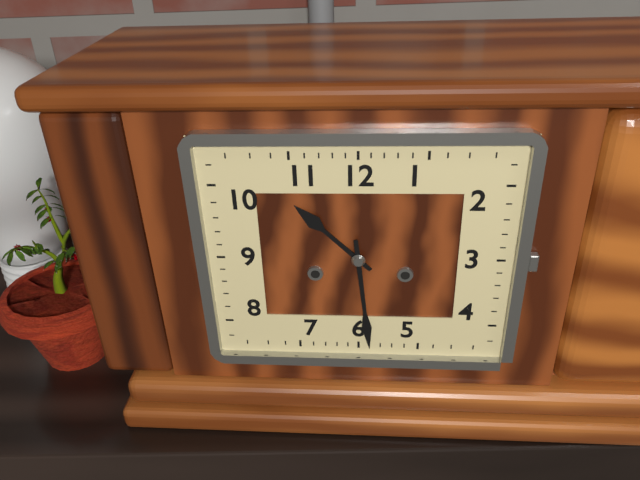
10h29
